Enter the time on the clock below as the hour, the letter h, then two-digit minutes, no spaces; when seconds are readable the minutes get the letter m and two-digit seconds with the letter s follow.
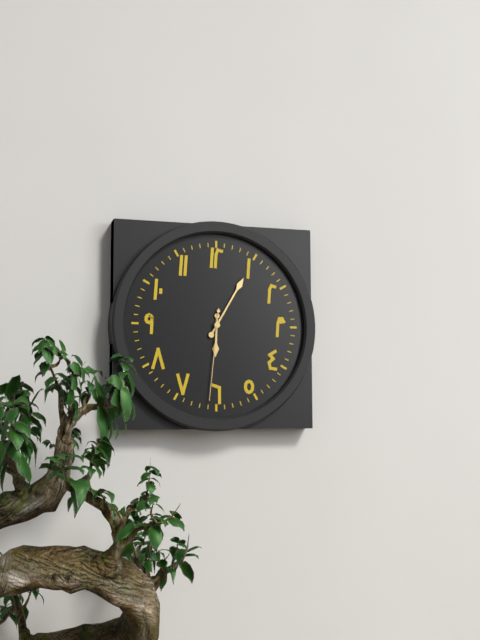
6h05m31s
